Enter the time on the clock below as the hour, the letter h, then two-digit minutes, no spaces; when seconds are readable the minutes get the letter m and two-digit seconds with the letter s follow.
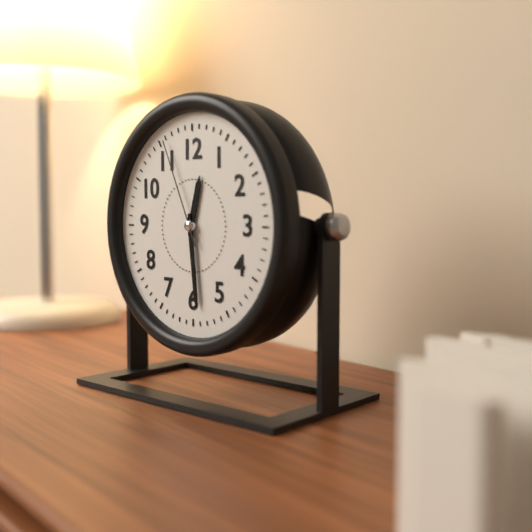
12h29m56s
